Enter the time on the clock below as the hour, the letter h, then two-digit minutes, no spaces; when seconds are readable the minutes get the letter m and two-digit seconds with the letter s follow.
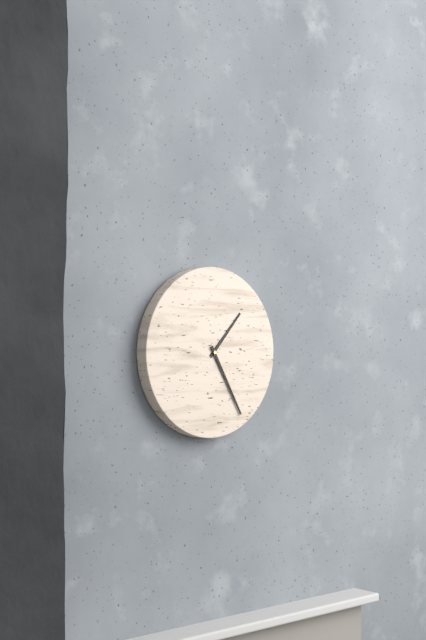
1h25
